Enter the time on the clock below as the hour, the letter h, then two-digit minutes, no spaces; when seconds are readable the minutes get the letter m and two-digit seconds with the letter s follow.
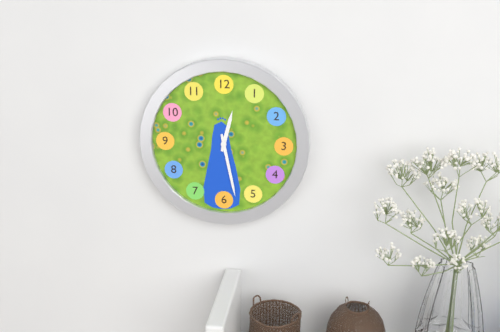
12h28
